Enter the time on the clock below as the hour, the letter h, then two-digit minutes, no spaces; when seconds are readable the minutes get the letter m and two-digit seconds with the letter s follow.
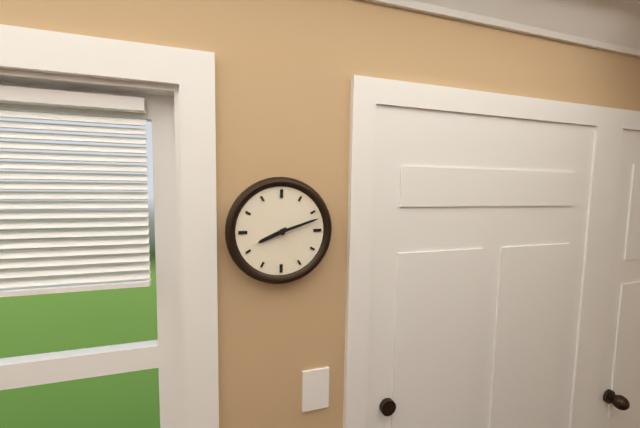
8h12
